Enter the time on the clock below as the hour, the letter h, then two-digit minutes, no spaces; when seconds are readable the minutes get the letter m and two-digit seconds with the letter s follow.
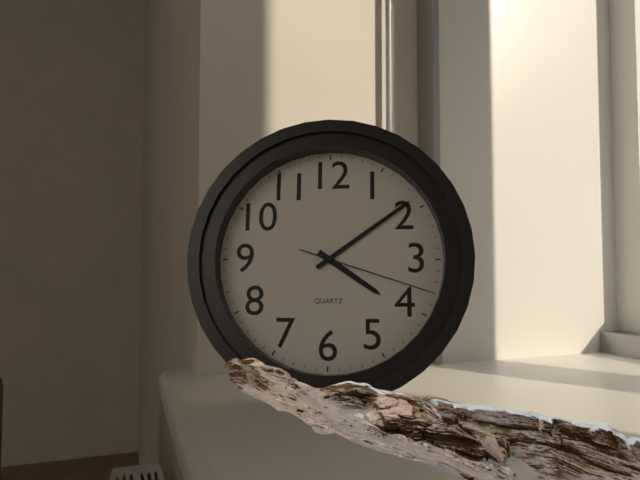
4h09m18s
